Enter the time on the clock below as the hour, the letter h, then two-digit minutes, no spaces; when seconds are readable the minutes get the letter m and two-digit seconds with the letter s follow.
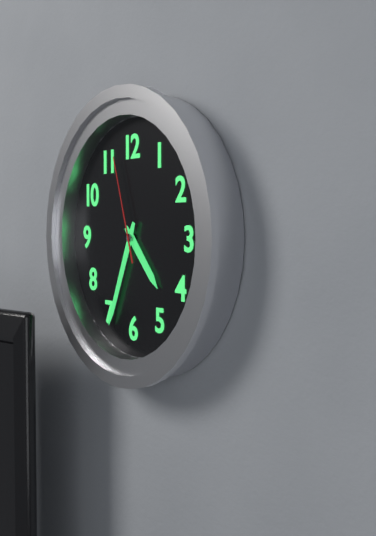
4h34m57s
